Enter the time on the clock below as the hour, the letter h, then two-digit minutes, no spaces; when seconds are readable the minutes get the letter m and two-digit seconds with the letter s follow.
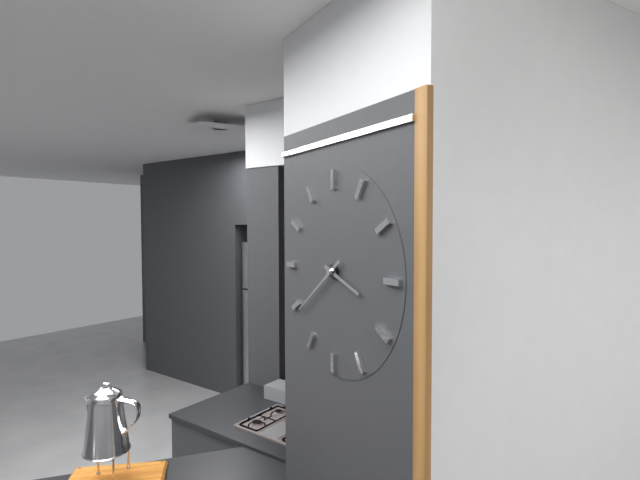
3h39
